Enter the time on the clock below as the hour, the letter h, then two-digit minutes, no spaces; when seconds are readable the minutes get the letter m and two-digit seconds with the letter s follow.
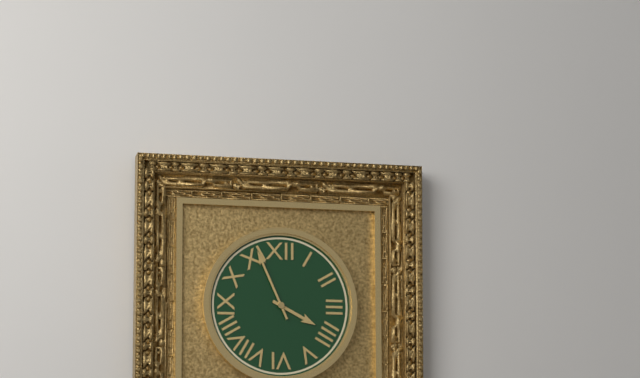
3h56
